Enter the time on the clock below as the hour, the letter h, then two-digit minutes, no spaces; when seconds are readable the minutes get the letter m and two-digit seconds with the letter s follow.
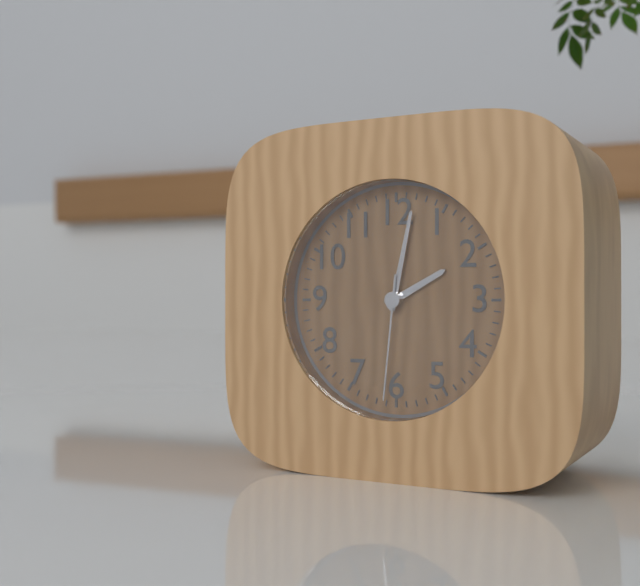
2h02m31s
